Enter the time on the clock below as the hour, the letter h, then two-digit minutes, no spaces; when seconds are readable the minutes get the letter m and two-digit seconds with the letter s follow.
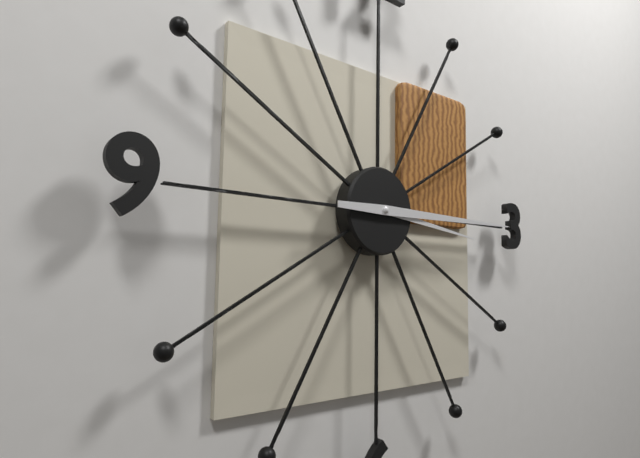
3h15
